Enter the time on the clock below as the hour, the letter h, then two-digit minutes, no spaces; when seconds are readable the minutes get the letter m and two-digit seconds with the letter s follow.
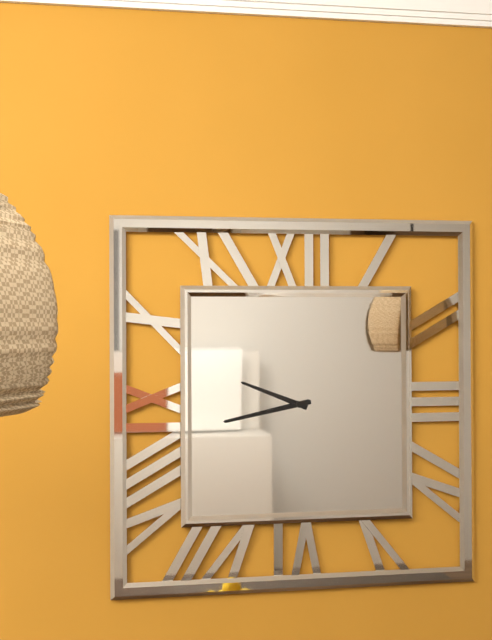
9h43
